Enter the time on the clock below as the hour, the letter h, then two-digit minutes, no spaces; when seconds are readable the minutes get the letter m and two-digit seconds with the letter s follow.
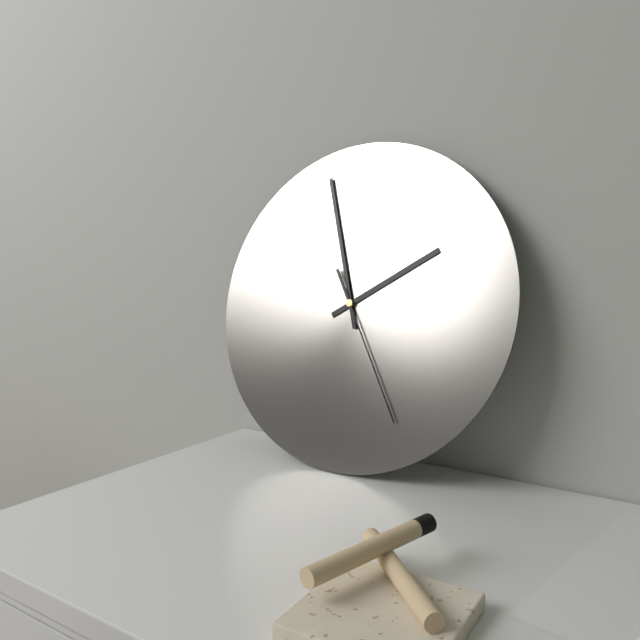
1h57m25s
